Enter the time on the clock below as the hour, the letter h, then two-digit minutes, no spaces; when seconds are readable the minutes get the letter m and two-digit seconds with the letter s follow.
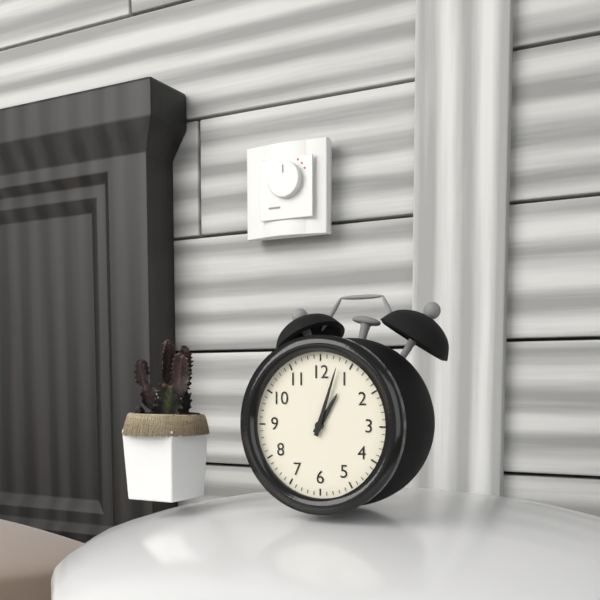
1h03
